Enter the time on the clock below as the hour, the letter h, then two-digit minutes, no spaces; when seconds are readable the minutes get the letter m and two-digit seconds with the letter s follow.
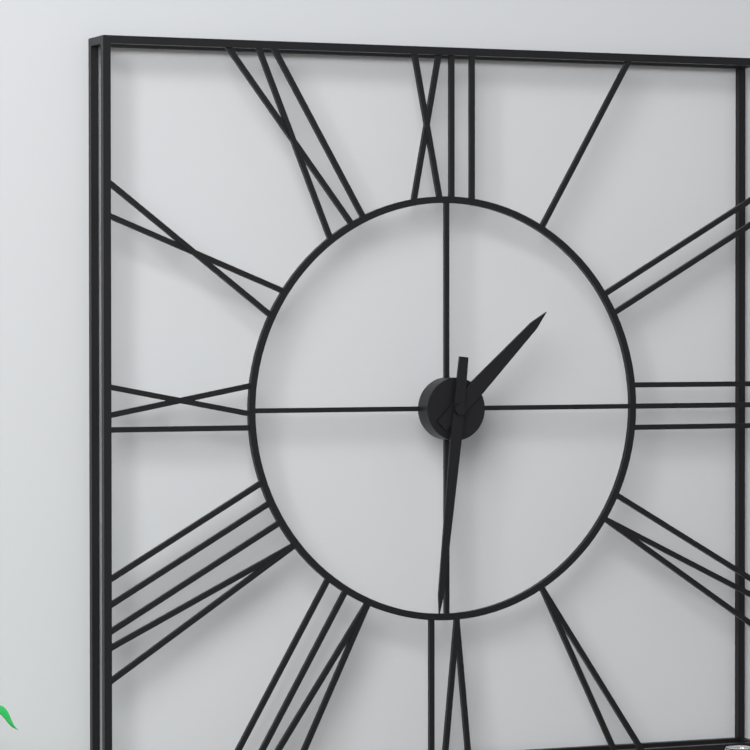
1h31
